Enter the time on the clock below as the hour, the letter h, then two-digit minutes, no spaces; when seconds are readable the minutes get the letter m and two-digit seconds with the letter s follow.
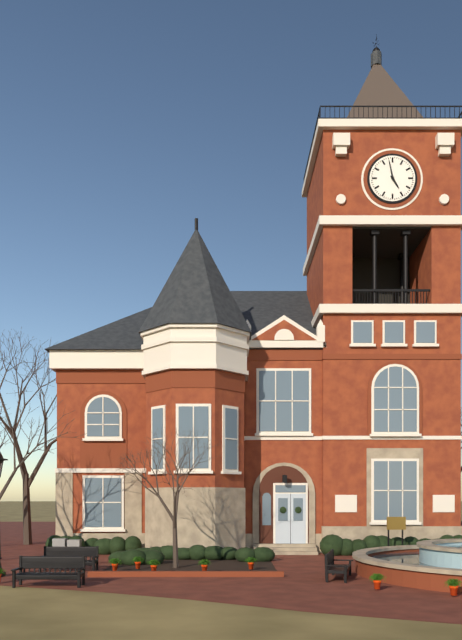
4h58
